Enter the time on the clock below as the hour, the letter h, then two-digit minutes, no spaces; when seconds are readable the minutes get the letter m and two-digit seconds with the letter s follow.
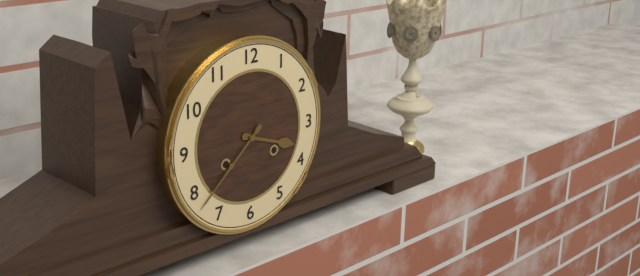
3h38
